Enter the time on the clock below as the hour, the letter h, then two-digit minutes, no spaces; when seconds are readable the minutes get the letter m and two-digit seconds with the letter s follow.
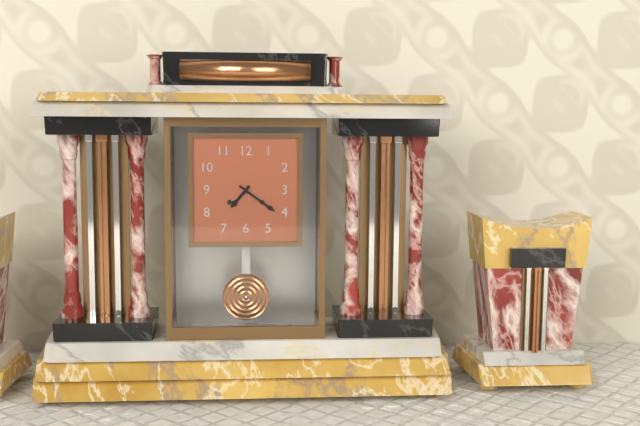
7h21
